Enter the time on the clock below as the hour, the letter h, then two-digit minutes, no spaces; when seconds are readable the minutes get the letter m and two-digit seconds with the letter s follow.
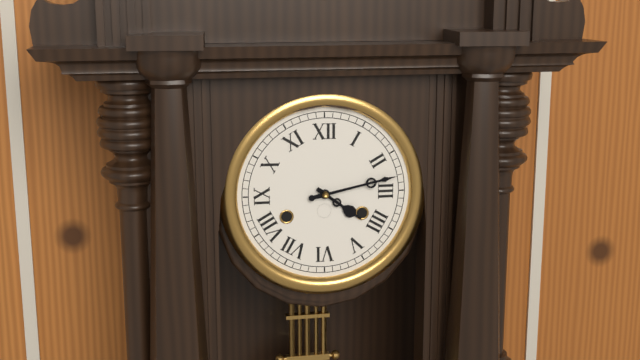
4h13
